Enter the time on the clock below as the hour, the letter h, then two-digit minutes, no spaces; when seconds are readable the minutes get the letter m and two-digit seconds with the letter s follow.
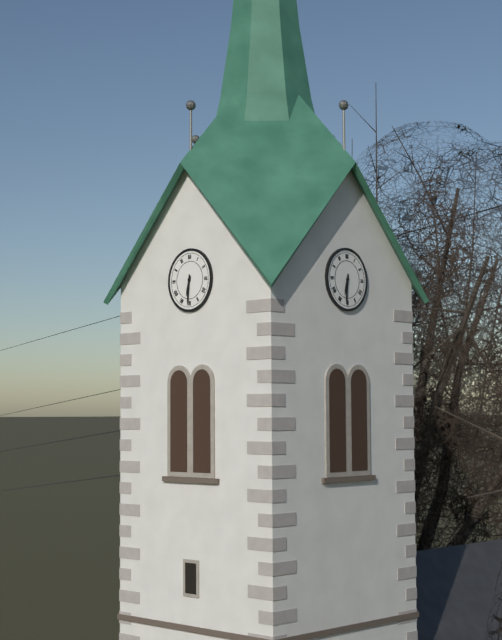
6h31
